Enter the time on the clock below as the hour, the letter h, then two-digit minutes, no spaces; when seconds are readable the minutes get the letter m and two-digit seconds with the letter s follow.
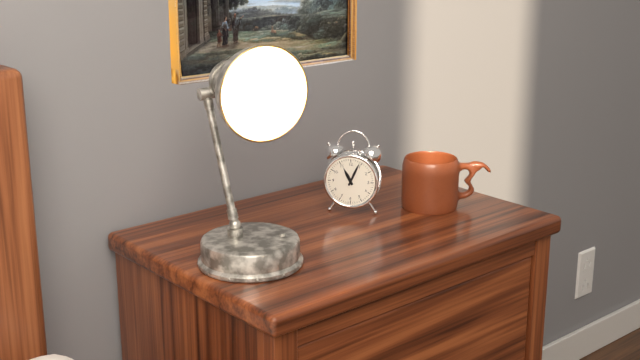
11h04
